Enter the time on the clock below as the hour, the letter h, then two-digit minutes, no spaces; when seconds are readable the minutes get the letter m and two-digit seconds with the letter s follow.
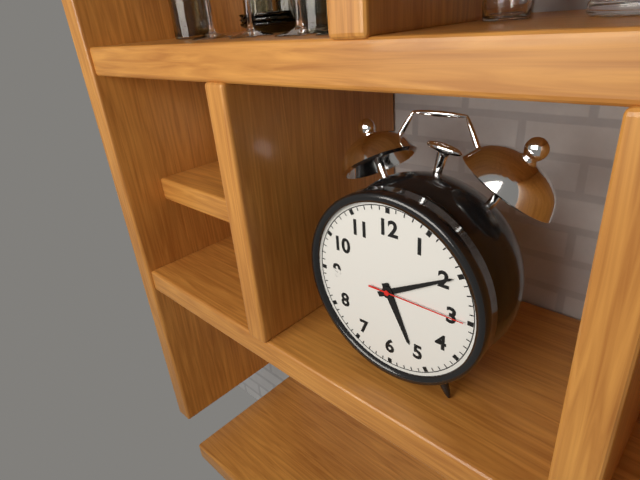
5h10m15s
